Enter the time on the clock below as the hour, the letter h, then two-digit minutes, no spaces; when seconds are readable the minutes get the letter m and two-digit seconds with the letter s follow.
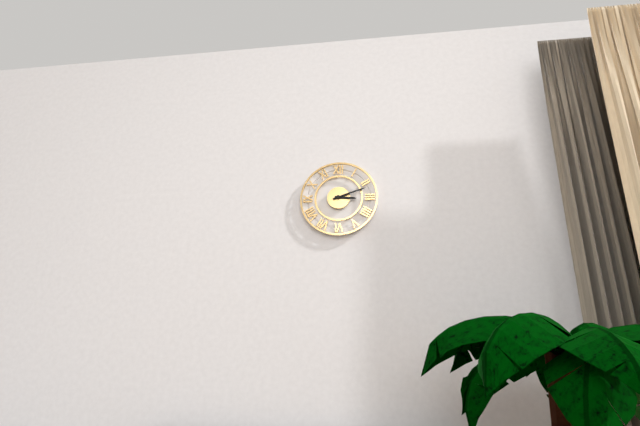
3h12
